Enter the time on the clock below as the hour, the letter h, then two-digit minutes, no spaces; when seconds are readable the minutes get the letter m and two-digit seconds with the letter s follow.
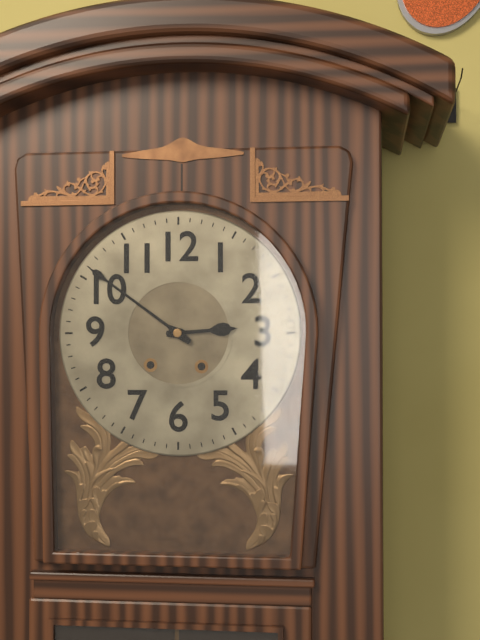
2h51
